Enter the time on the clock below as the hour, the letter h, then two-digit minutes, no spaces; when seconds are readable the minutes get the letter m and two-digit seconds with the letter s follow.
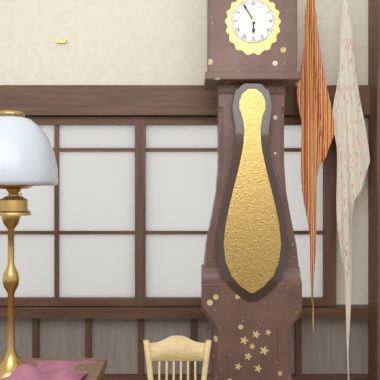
5h55
